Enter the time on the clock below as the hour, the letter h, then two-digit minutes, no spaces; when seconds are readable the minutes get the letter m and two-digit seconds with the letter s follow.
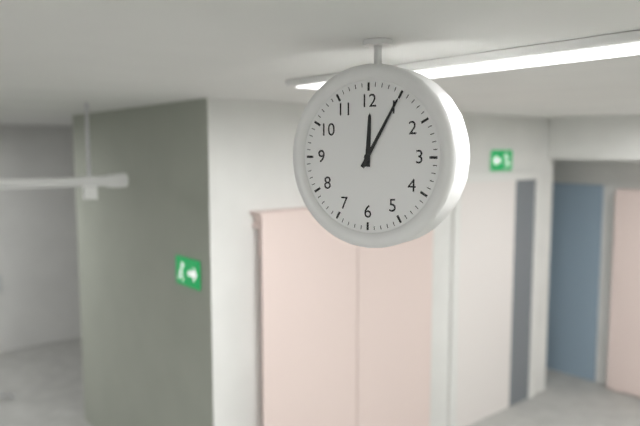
12h05
